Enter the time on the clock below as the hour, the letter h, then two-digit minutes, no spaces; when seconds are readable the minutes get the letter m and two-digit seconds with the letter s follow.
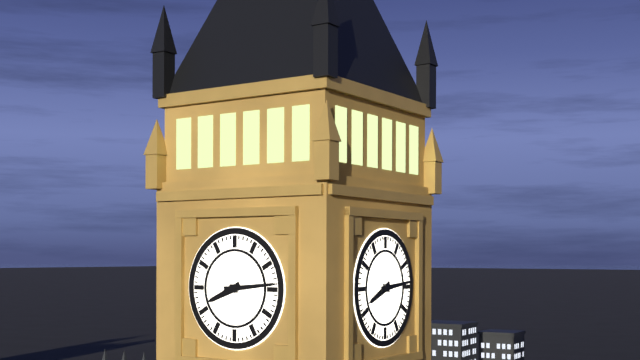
8h14
